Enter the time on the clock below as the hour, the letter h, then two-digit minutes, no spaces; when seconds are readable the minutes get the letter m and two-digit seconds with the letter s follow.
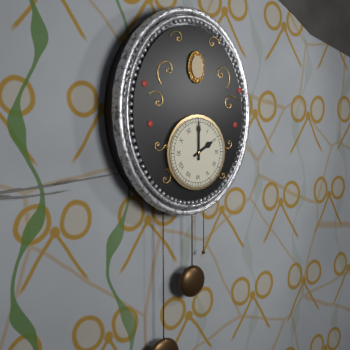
2h00
